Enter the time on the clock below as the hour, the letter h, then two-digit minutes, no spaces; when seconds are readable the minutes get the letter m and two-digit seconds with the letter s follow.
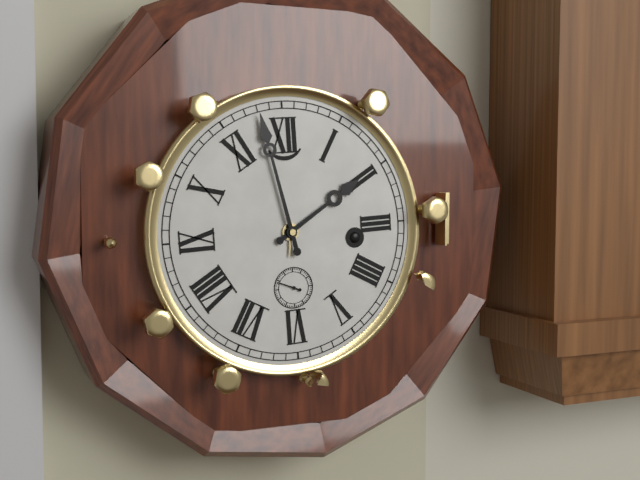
1h58
